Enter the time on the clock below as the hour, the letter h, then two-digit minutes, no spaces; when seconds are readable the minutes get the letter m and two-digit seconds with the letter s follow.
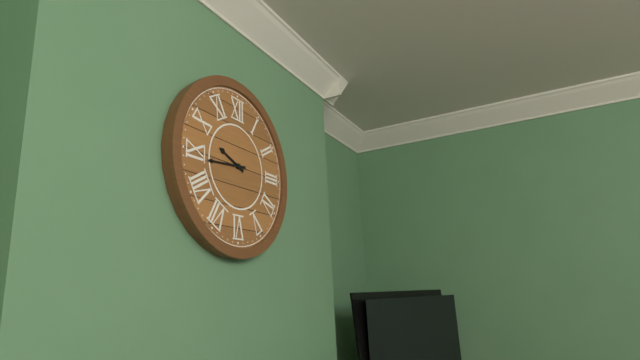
9h44
